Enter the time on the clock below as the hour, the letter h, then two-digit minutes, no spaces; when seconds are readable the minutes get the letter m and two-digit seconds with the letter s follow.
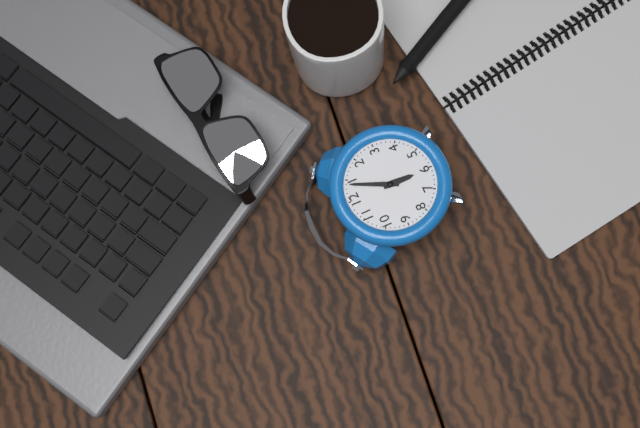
6h04
